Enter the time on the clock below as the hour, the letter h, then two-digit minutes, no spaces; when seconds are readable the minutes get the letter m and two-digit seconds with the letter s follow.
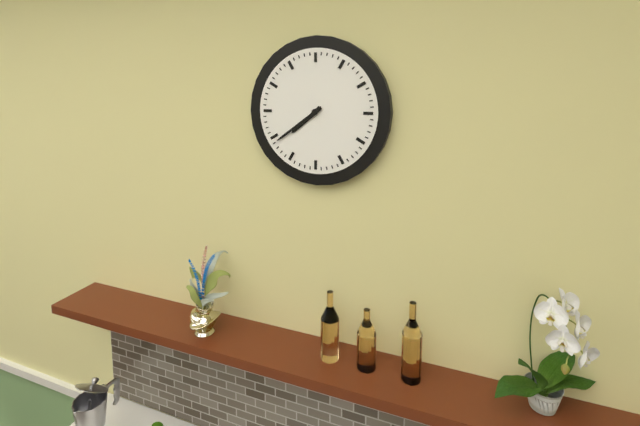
7h39
